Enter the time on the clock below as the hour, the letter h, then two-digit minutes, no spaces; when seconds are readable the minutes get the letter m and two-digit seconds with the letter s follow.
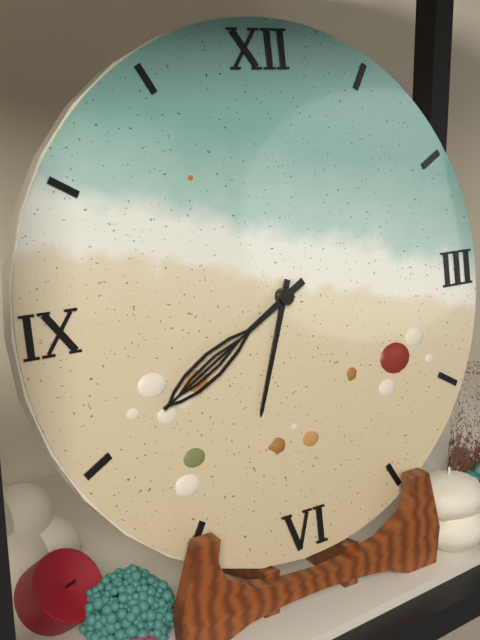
6h40
